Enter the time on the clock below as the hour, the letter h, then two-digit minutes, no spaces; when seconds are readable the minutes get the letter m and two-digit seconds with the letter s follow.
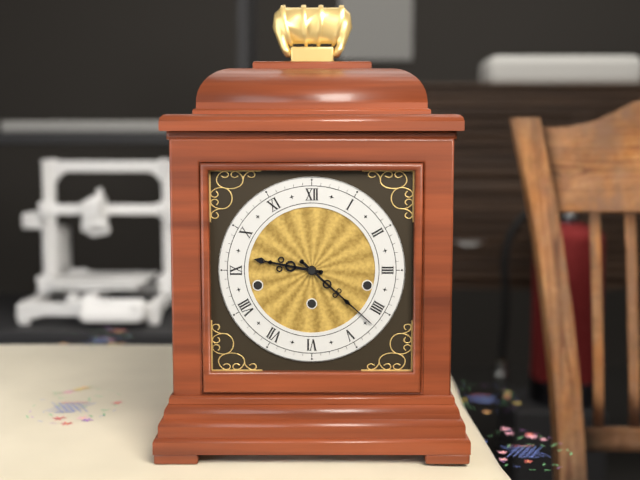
9h22
